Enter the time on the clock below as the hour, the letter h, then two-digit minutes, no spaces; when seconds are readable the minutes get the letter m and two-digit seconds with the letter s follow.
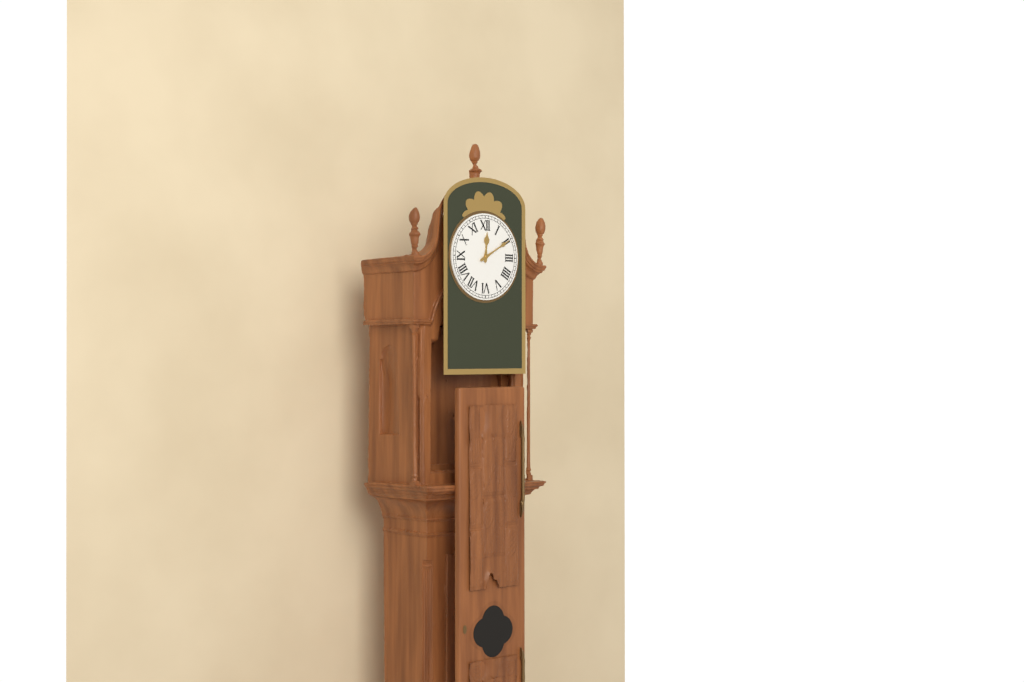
12h10
